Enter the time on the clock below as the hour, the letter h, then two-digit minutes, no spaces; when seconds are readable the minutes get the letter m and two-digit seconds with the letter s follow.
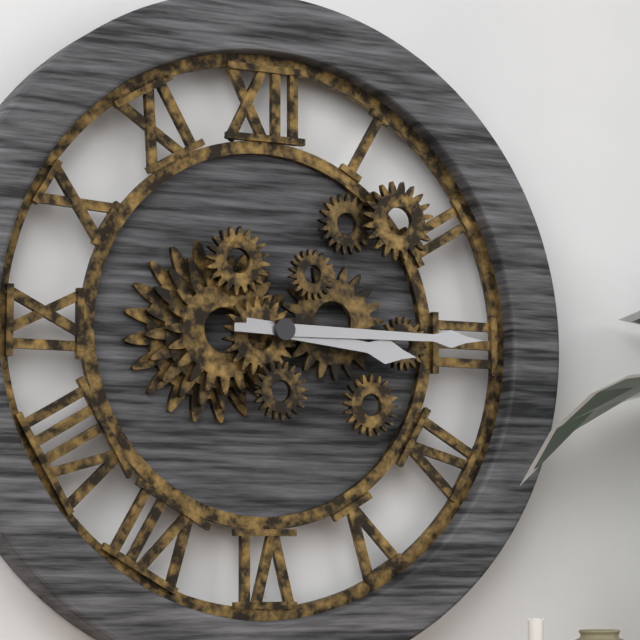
3h15
